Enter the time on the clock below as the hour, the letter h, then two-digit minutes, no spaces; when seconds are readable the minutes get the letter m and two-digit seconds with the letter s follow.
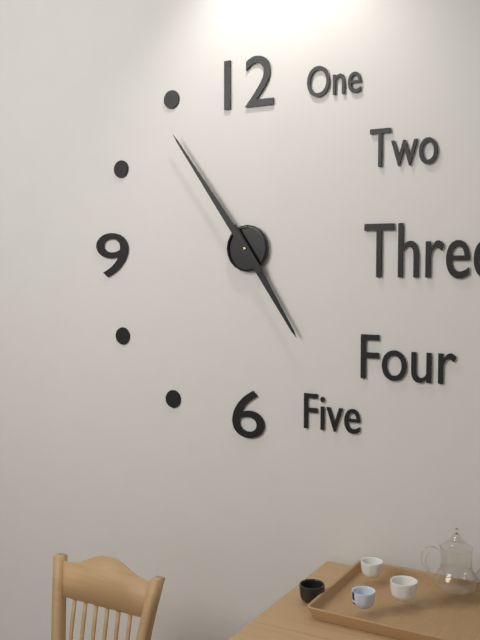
4h54
